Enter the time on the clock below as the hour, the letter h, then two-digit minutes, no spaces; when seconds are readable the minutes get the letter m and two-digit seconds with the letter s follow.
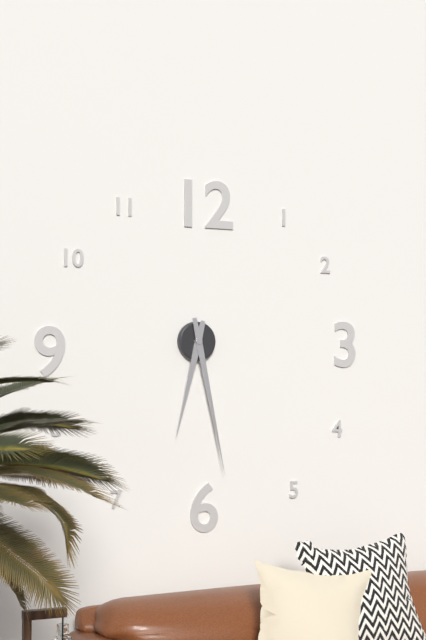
6h28
